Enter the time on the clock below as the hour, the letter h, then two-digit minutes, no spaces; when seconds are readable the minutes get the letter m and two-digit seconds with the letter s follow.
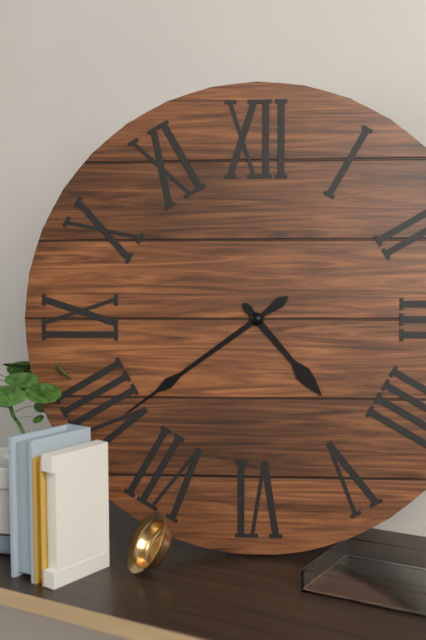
4h39
